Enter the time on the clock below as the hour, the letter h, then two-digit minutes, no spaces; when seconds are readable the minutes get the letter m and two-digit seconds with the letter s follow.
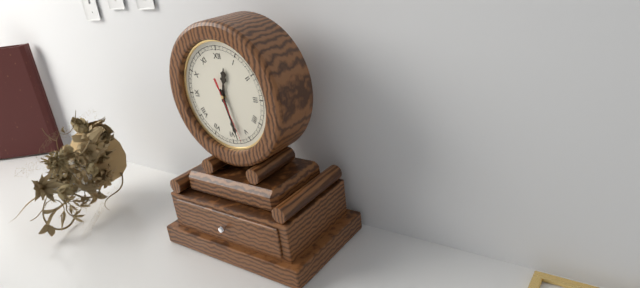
12h28m27s
